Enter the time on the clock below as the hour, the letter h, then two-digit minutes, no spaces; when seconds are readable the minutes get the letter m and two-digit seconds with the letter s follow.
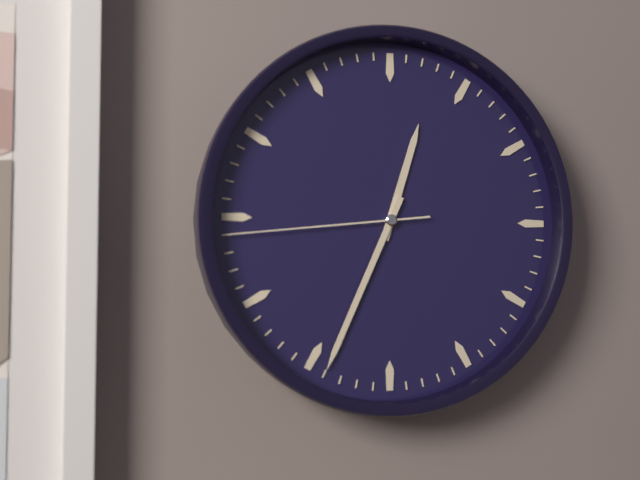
12h34m44s
